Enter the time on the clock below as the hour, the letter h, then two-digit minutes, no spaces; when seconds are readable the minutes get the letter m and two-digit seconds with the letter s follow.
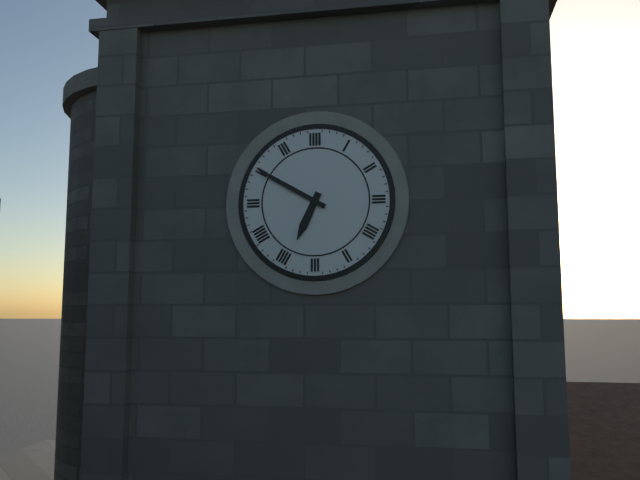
6h50
